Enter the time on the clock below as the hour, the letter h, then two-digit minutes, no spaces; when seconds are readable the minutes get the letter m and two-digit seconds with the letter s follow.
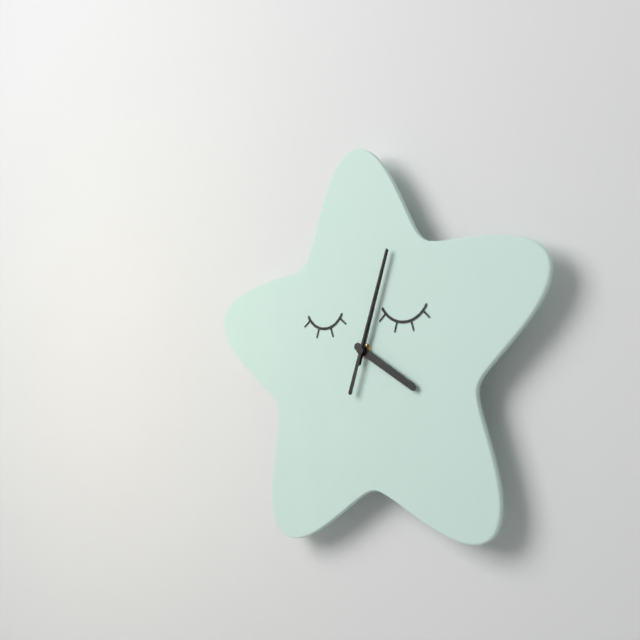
4h03m03s
